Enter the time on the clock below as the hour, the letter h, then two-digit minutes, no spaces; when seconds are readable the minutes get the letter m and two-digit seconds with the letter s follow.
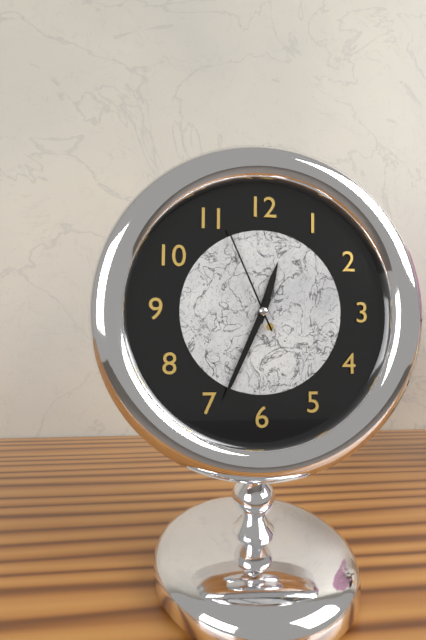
12h34m56s
